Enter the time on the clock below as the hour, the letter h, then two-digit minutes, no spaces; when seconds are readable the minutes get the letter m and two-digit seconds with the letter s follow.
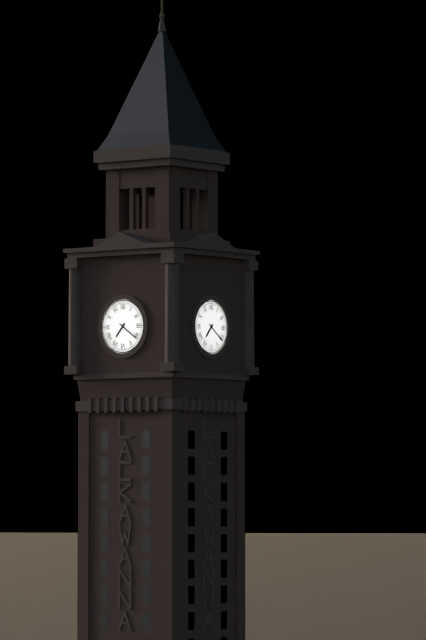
7h21
